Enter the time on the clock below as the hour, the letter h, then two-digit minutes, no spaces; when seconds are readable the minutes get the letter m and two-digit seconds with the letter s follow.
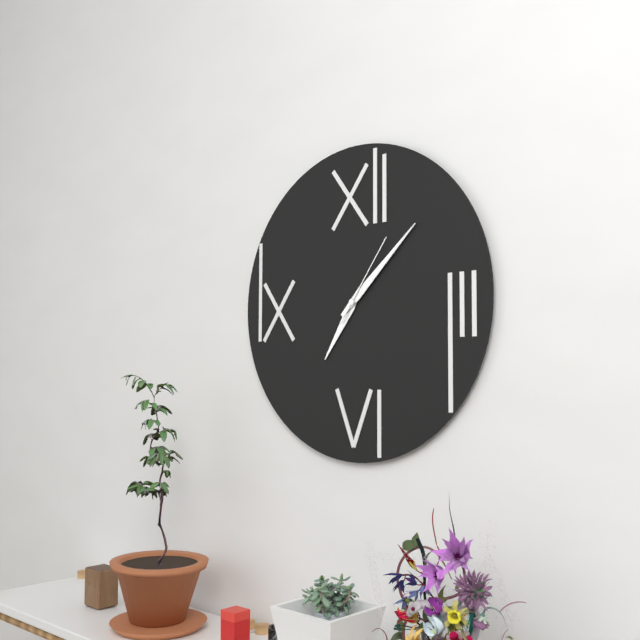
7h08m06s
